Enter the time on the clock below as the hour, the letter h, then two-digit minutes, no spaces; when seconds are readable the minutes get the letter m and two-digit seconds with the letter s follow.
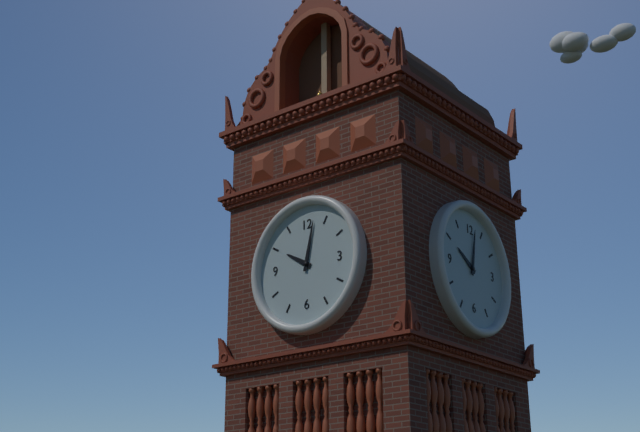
10h02
